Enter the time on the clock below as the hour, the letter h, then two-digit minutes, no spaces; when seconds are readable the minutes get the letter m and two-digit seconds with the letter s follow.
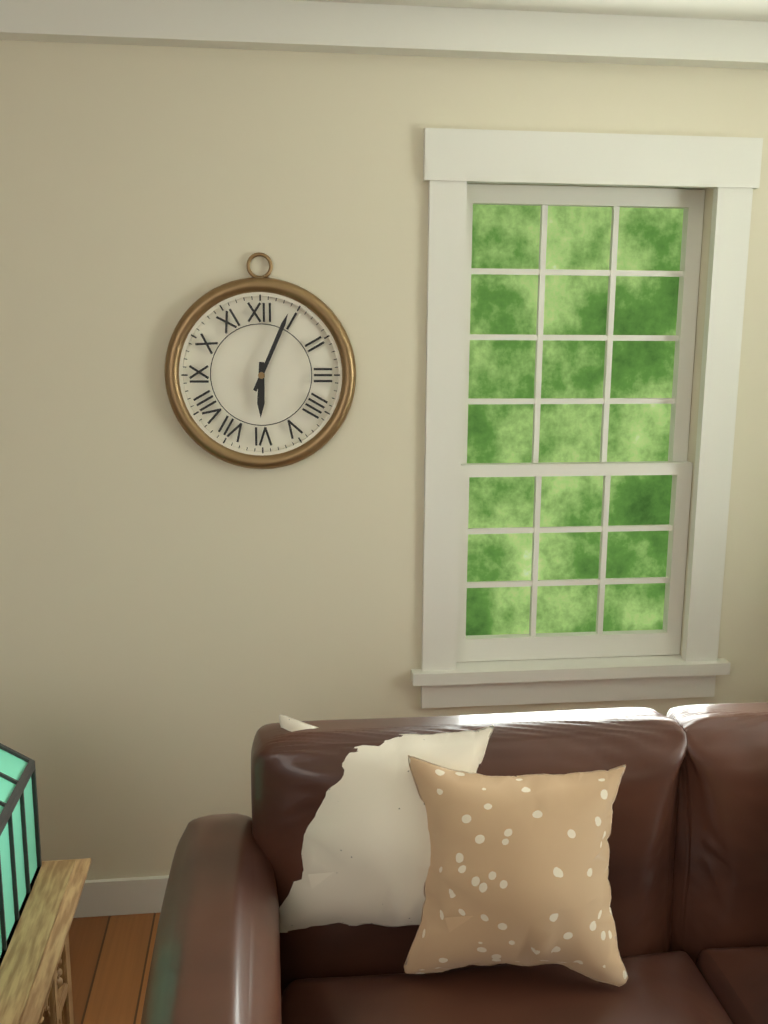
6h04
